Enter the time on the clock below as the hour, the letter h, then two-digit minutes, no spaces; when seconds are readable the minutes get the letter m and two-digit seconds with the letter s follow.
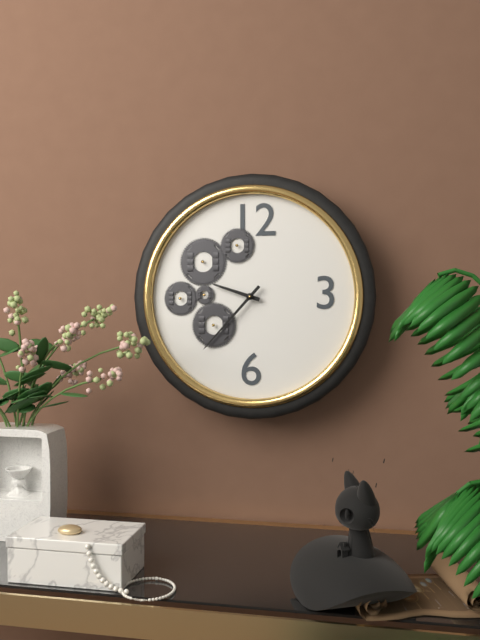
9h37
